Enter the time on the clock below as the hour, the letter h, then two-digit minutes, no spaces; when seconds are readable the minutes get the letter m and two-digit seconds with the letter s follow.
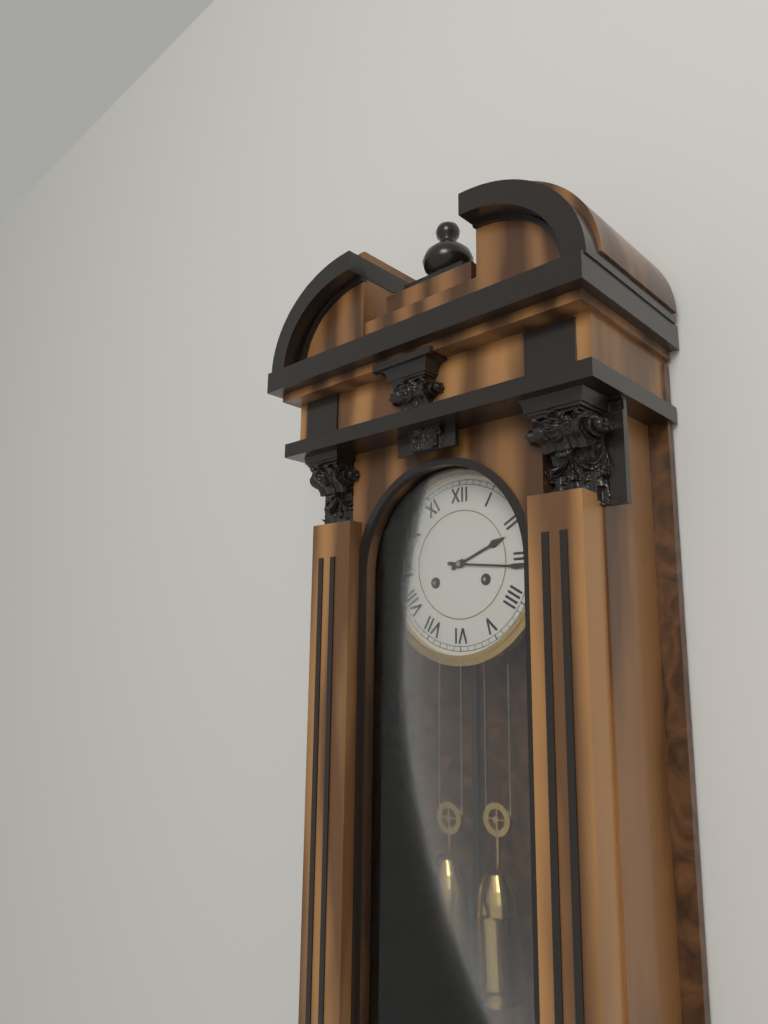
2h16
